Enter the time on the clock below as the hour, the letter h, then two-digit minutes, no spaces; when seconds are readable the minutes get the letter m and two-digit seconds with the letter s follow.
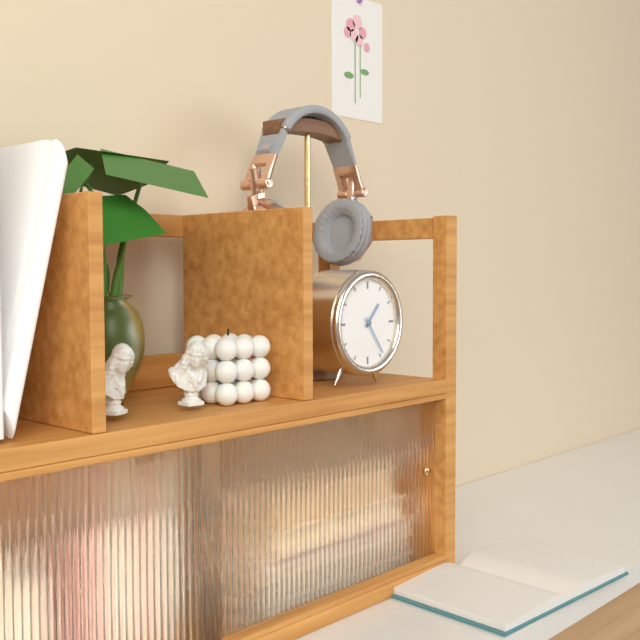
1h24
